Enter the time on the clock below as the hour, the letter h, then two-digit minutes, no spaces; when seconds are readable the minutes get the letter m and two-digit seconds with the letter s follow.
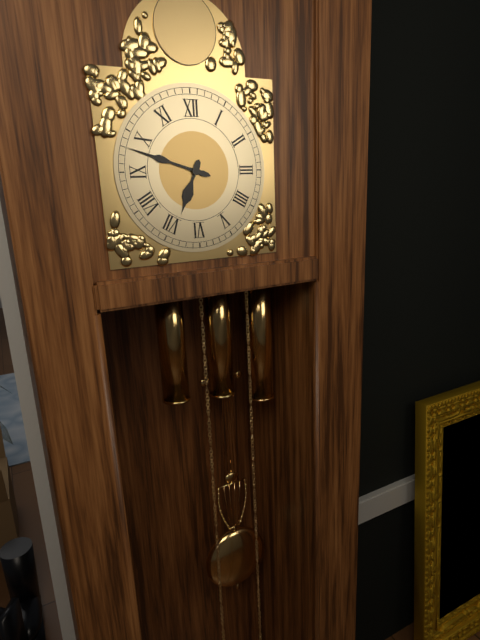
6h48
